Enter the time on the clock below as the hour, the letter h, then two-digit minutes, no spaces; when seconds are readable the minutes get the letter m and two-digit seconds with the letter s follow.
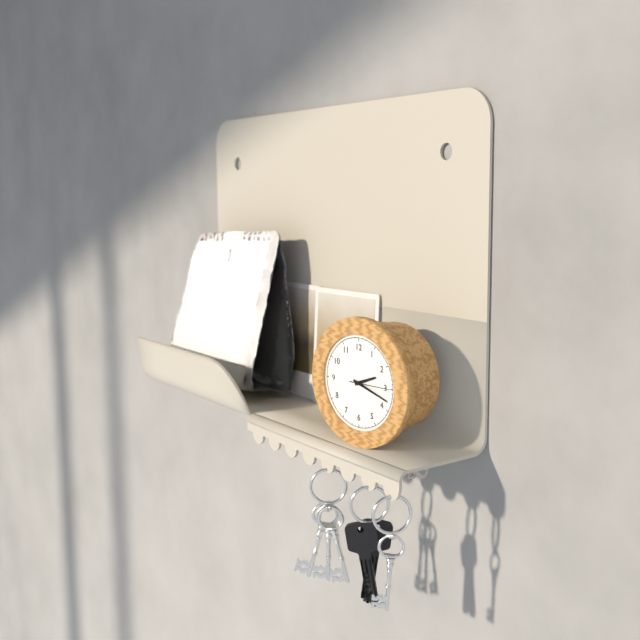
2h18
